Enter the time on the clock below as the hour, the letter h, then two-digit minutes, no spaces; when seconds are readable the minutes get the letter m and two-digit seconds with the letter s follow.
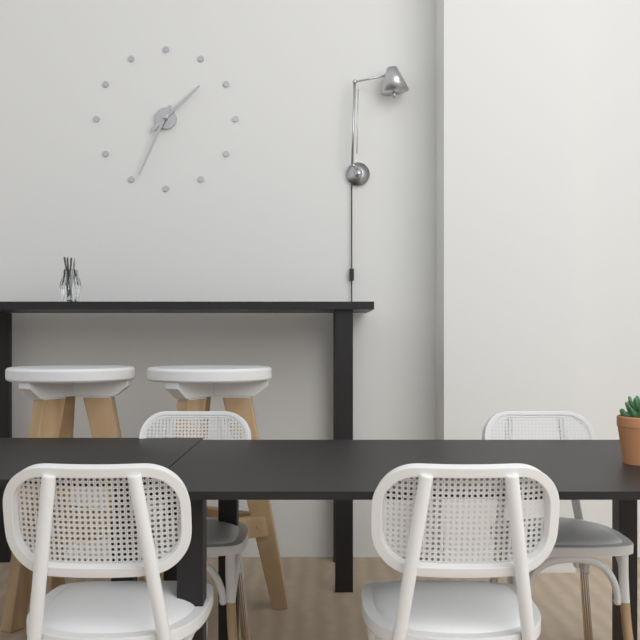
1h34
